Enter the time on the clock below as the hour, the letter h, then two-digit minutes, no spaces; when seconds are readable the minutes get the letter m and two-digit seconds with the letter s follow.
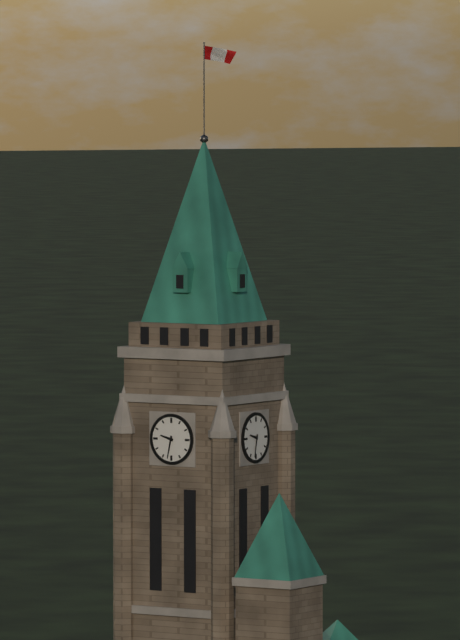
9h32
